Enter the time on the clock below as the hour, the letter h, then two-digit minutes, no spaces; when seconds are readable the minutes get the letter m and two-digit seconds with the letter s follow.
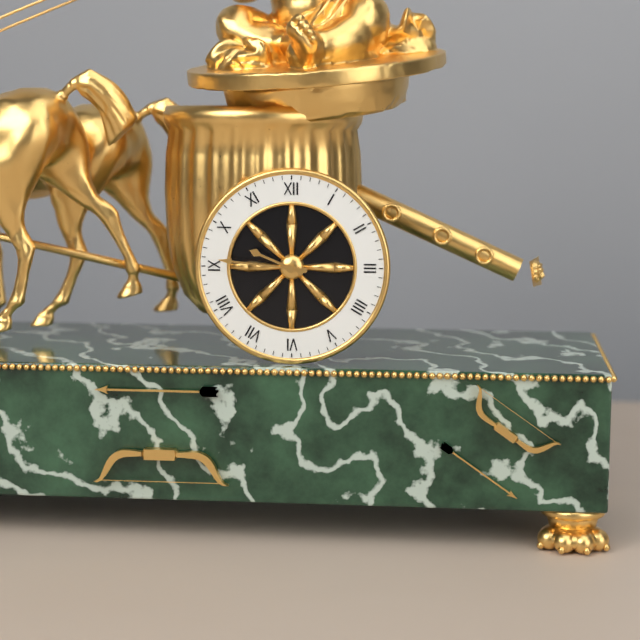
9h46
